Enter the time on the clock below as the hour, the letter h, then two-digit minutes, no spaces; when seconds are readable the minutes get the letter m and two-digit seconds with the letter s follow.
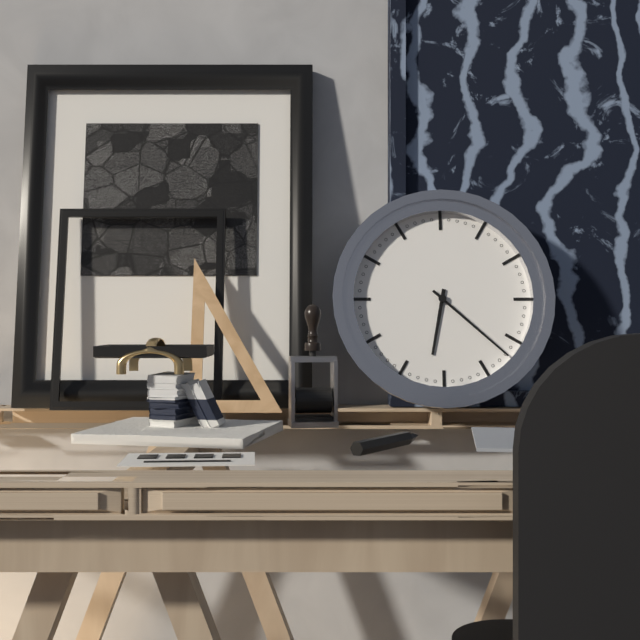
6h22
